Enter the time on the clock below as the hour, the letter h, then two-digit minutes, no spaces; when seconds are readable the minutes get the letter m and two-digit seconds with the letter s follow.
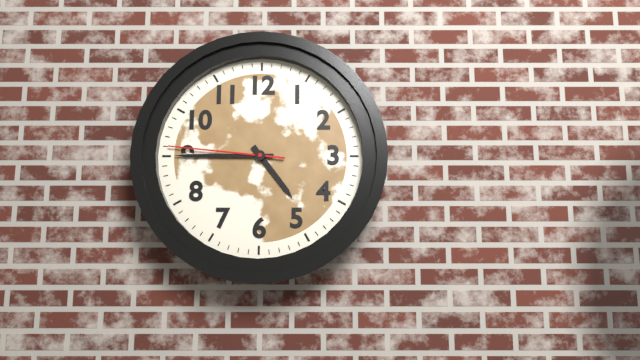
4h45m46s
